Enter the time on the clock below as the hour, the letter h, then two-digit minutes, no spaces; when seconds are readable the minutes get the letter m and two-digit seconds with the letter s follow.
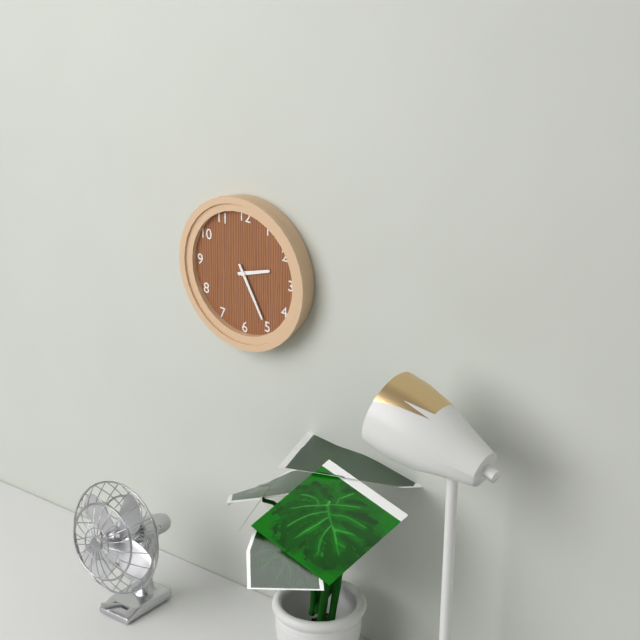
2h25
